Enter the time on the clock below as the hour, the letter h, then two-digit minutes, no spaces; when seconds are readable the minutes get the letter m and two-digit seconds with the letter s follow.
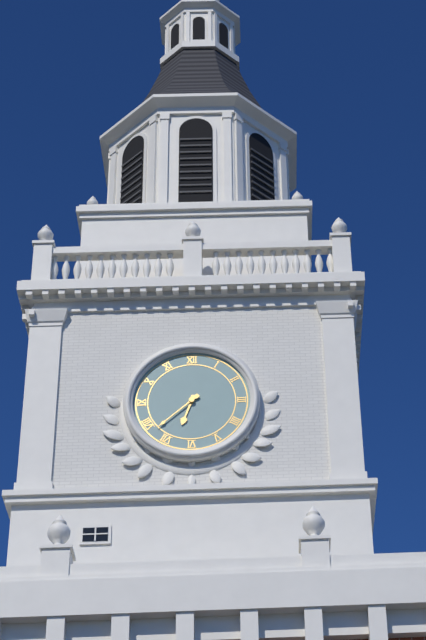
6h38
